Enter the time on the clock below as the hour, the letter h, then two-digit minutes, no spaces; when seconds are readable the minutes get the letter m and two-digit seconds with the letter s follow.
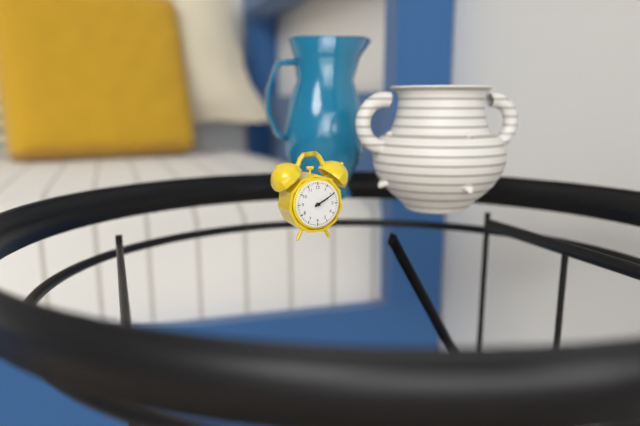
2h10
